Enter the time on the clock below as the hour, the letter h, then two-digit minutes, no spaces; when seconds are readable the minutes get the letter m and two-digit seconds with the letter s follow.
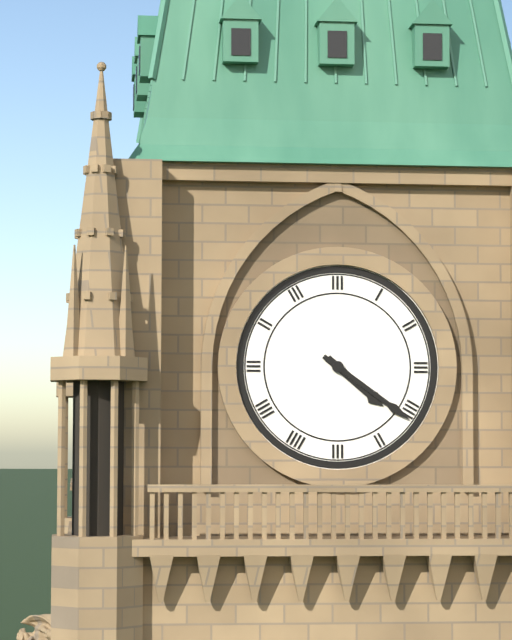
4h21
